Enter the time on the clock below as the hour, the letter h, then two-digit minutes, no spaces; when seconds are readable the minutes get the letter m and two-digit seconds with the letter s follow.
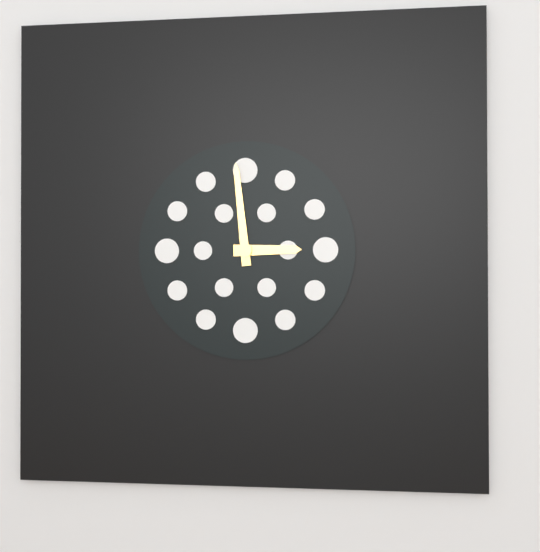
2h59
